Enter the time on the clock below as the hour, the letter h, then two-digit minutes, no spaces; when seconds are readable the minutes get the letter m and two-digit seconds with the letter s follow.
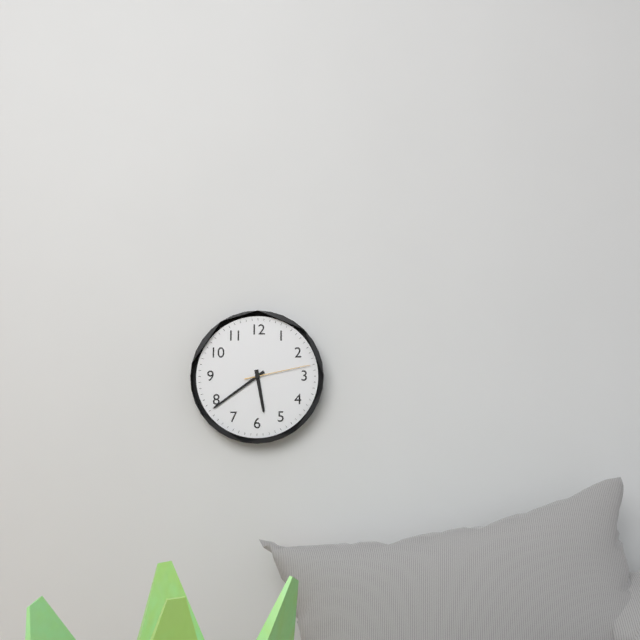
5h39m13s
